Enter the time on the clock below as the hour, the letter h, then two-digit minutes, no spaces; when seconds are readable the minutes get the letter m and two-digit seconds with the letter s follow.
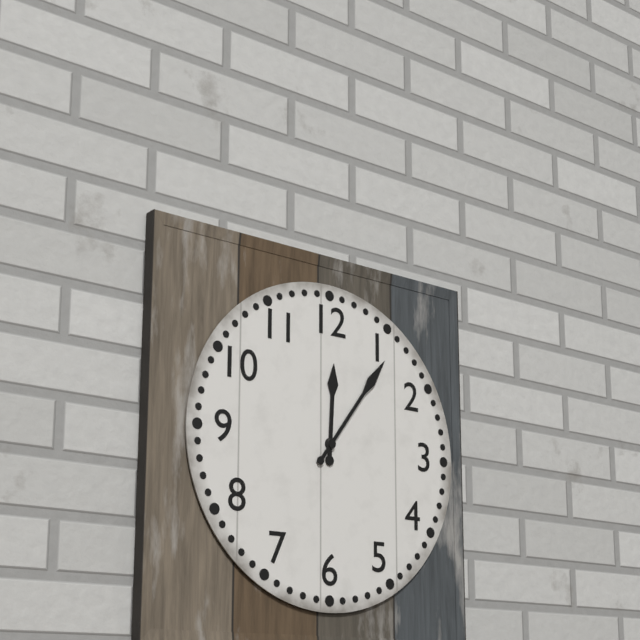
12h06
